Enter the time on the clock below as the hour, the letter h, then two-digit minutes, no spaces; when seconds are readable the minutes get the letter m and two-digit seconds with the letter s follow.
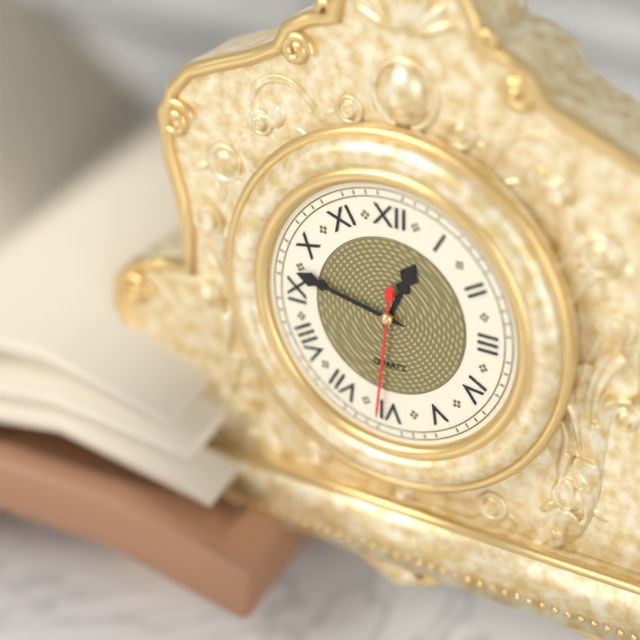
12h47m31s
